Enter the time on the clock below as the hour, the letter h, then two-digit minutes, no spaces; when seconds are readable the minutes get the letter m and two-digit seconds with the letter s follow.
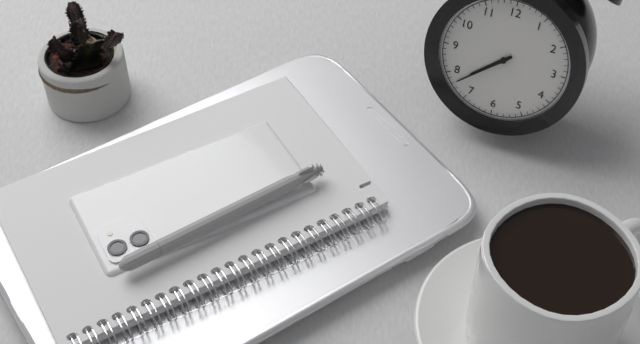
7h38
